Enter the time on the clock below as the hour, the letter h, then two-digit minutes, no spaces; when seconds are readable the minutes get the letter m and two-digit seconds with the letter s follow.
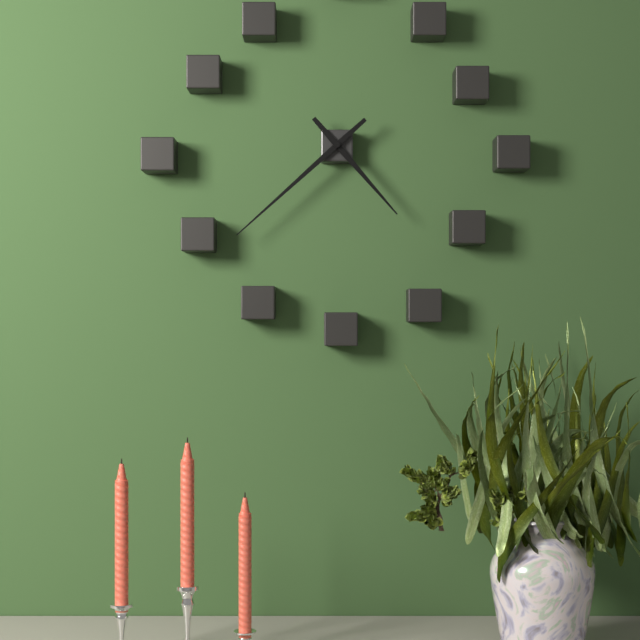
4h38
